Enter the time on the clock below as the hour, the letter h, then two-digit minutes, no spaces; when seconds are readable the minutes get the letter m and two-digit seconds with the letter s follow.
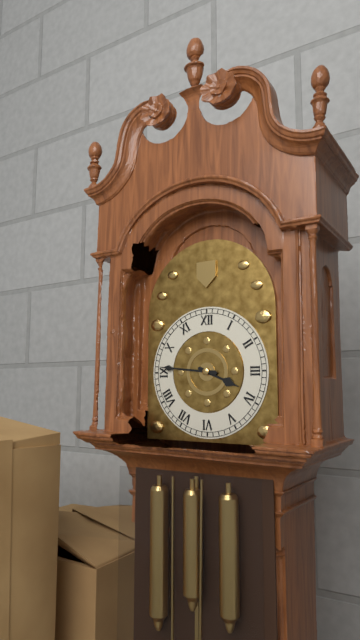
3h46
